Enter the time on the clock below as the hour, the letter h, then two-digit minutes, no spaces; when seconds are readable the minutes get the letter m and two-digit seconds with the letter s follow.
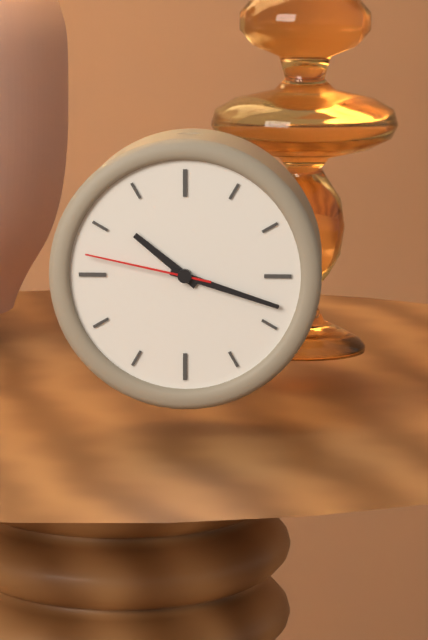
10h18m47s
